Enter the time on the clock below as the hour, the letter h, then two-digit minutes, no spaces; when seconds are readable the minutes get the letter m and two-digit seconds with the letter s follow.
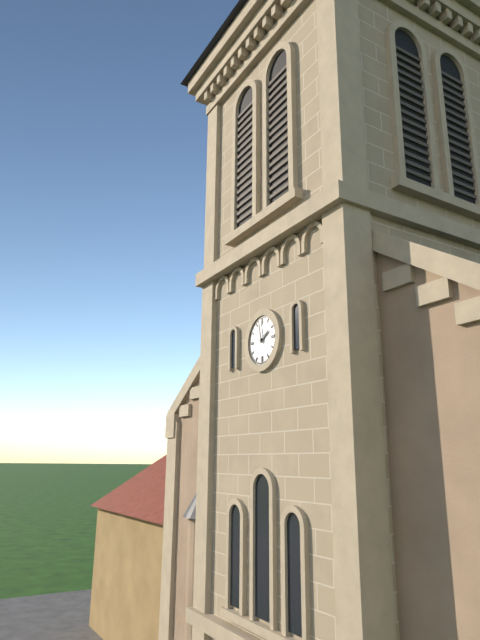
1h58
